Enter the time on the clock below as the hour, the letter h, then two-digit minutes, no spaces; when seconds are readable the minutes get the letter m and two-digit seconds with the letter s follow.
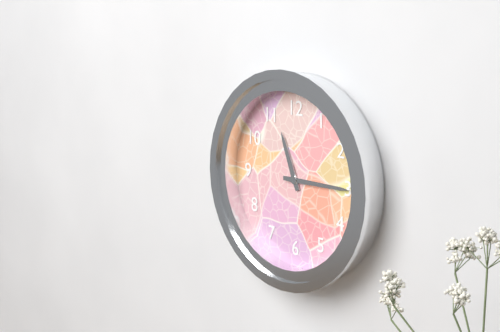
11h15
